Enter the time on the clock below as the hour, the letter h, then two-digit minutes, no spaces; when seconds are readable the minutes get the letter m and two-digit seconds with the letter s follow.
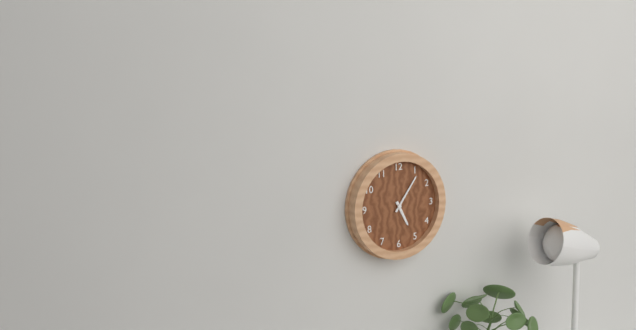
5h06
